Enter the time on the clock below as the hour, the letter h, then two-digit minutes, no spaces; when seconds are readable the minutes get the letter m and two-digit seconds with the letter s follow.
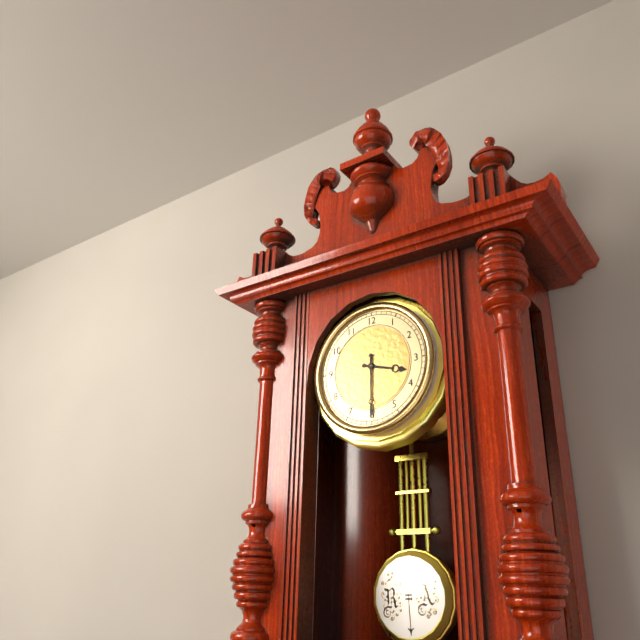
3h30
